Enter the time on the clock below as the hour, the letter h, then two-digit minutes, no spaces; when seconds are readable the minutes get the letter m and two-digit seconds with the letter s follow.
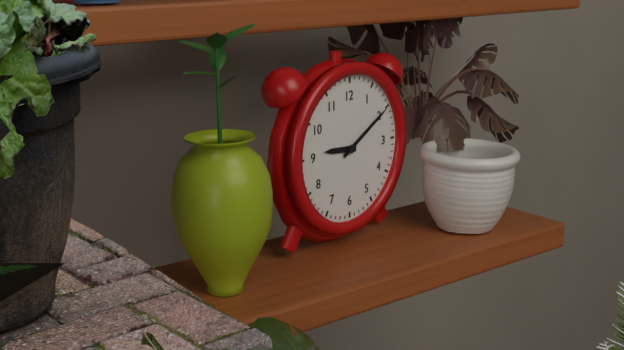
9h10
